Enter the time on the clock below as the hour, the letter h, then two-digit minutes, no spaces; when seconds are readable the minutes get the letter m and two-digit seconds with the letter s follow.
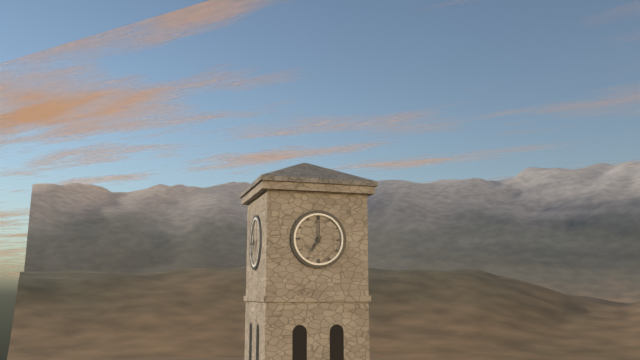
7h00
